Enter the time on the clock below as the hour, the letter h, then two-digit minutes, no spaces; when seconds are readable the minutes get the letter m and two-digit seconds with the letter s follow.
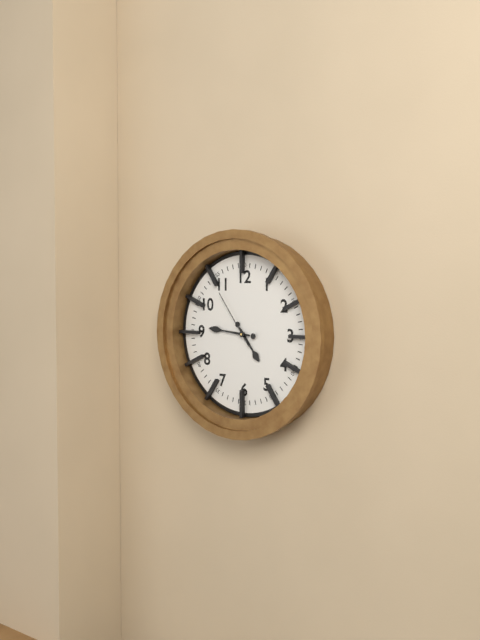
4h46m54s
